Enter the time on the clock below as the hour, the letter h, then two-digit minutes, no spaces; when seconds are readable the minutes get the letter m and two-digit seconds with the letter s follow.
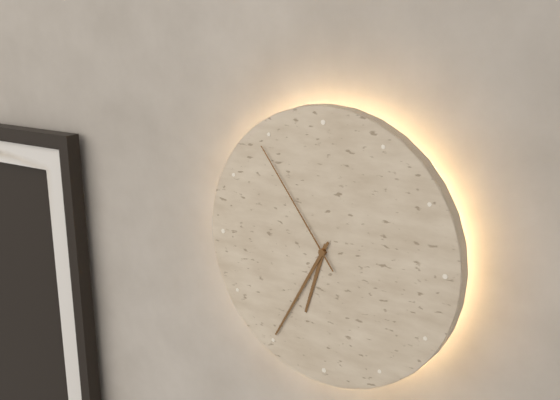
6h35m54s
